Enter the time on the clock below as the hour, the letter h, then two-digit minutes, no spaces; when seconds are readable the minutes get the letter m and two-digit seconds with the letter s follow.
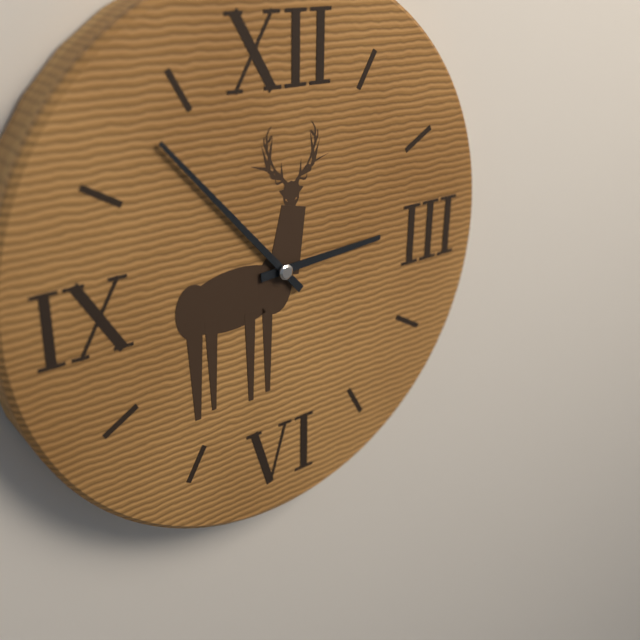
2h53
